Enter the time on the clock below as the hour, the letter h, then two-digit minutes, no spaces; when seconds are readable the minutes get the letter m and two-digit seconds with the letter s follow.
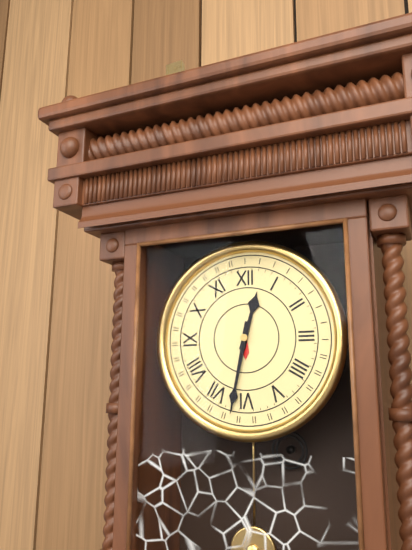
12h32
